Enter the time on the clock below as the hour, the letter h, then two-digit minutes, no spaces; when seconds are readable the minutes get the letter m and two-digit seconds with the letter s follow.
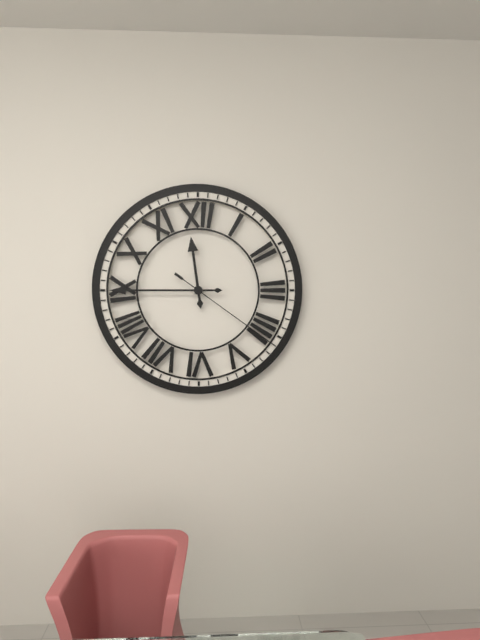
11h45m21s
